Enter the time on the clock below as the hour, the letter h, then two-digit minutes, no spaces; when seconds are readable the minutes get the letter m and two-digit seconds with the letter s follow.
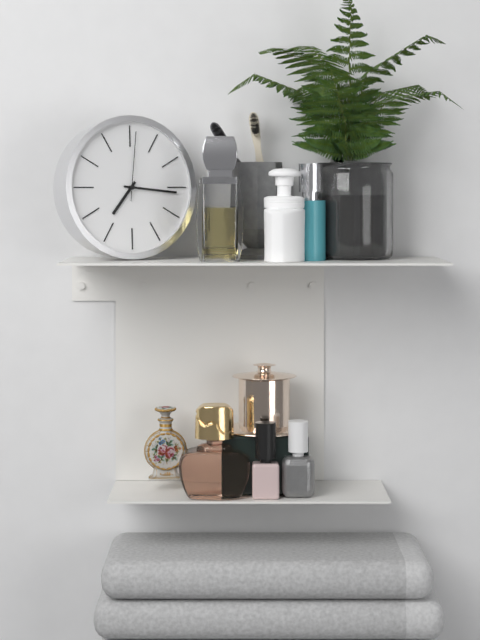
7h16m01s
